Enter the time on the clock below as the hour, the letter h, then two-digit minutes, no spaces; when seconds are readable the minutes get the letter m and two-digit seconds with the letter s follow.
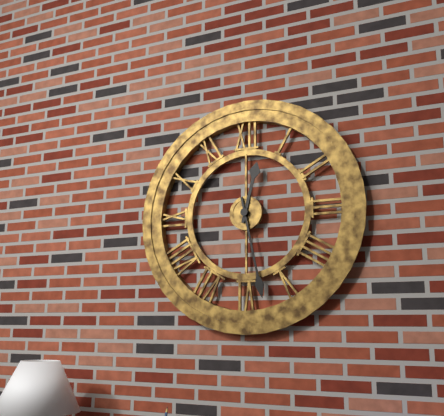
12h28
